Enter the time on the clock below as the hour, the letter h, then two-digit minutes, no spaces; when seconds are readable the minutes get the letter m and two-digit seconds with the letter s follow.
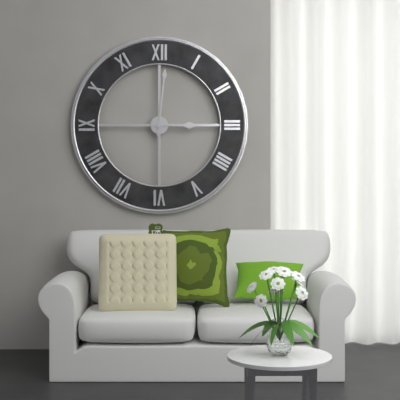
3h01
